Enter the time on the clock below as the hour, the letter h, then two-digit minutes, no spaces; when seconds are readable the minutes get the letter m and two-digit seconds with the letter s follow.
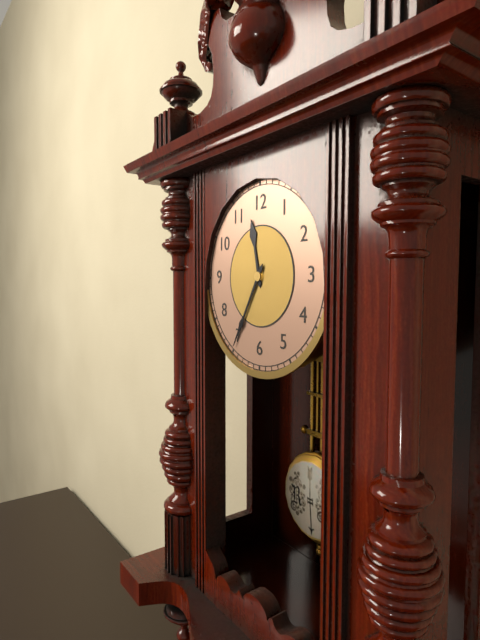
11h35
